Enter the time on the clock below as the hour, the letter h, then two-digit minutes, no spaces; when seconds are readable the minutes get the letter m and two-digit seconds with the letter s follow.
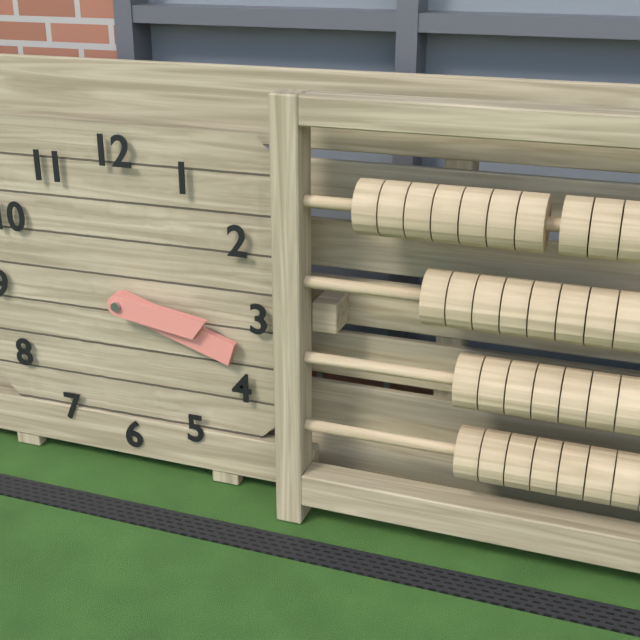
3h18
